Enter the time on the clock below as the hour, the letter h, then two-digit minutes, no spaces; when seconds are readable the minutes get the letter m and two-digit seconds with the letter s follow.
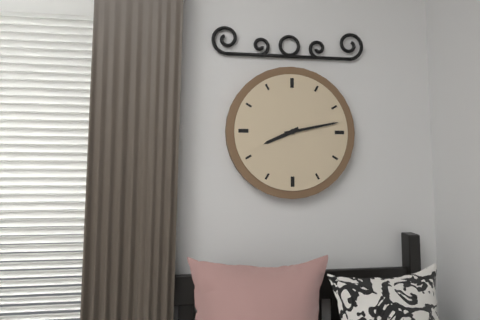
8h13
